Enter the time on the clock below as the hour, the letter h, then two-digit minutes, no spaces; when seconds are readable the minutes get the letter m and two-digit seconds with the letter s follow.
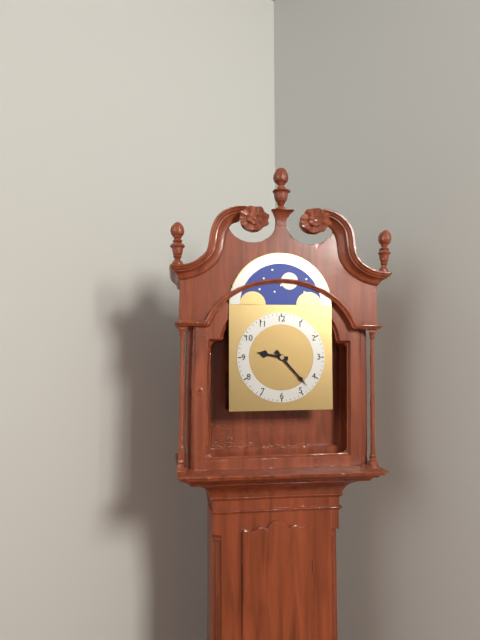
9h23
